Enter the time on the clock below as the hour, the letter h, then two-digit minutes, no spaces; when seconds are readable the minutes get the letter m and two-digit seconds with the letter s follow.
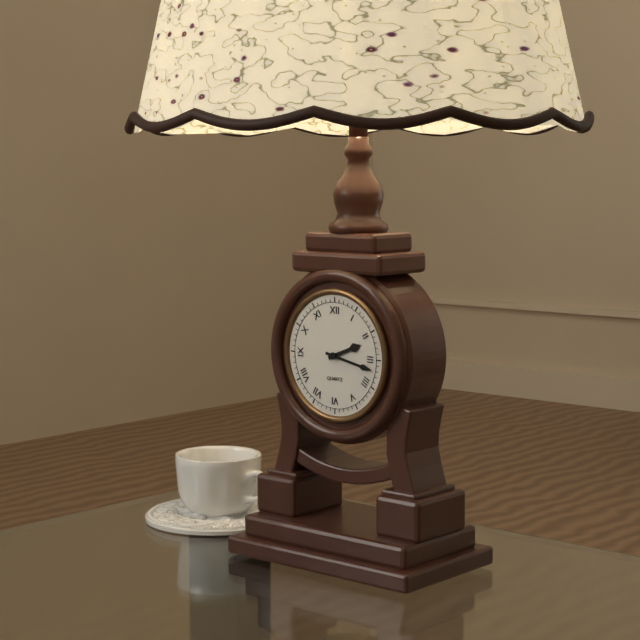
2h17
